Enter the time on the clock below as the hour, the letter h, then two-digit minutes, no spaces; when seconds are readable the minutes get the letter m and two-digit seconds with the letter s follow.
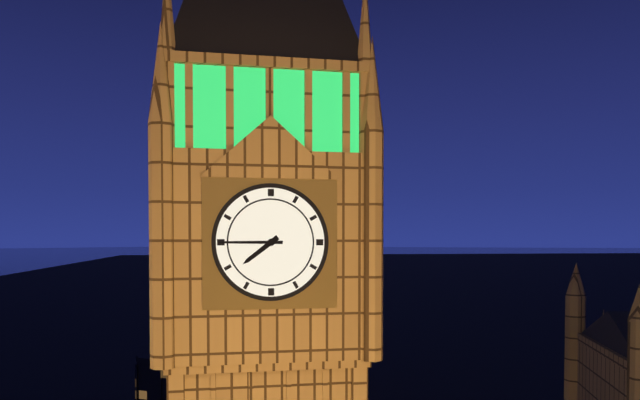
7h45
